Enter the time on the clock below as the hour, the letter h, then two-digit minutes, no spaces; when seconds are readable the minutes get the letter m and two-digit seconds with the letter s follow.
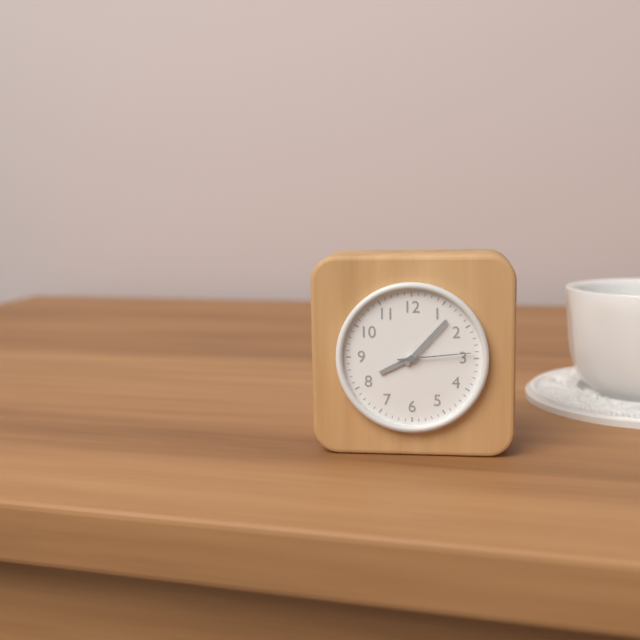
8h07m14s
